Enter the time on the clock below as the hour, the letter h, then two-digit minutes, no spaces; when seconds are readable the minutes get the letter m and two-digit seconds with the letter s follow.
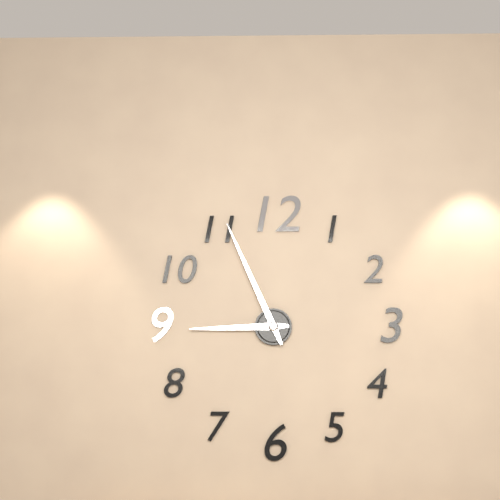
8h56
